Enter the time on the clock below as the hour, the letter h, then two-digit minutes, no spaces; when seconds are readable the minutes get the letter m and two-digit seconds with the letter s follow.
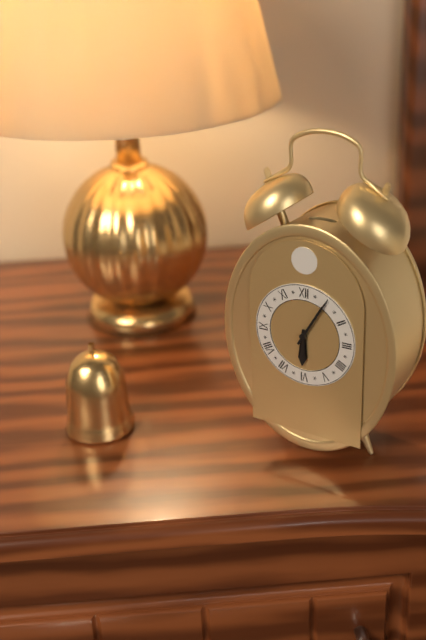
6h05
